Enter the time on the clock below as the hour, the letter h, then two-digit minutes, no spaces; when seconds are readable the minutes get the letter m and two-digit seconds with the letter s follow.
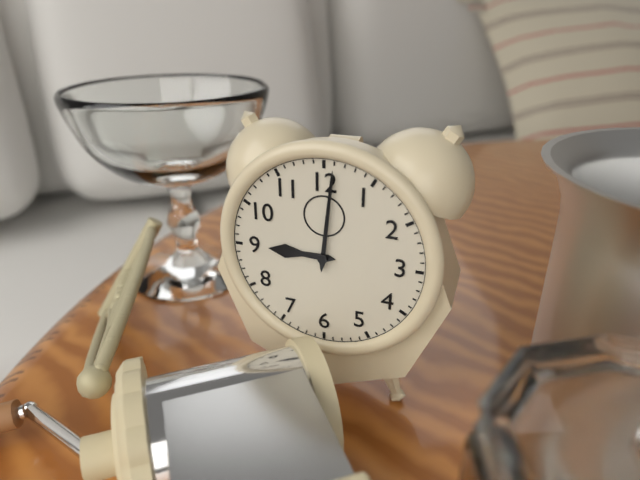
9h01
